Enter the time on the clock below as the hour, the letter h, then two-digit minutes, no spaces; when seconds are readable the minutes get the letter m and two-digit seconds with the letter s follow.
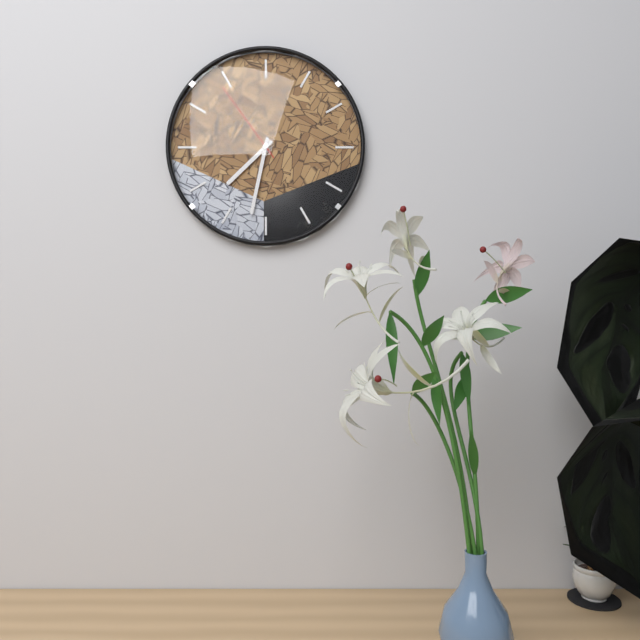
7h32m54s
